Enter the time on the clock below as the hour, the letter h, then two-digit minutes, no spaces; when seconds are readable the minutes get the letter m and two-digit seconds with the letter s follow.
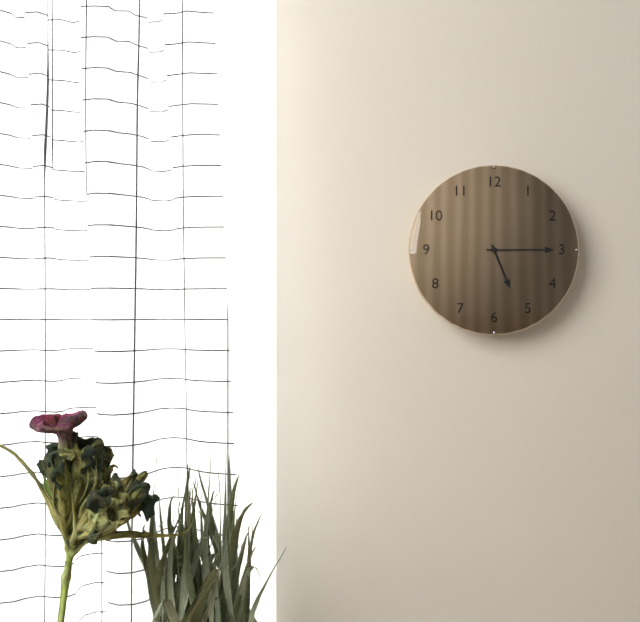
5h15
